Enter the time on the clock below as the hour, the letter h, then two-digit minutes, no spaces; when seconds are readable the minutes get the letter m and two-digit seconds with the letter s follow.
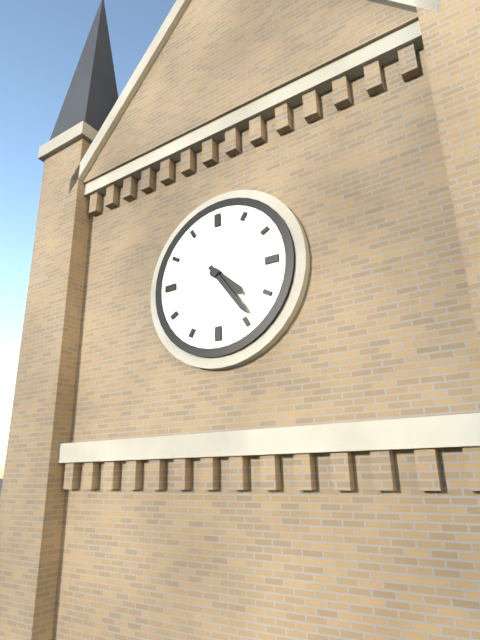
4h24
